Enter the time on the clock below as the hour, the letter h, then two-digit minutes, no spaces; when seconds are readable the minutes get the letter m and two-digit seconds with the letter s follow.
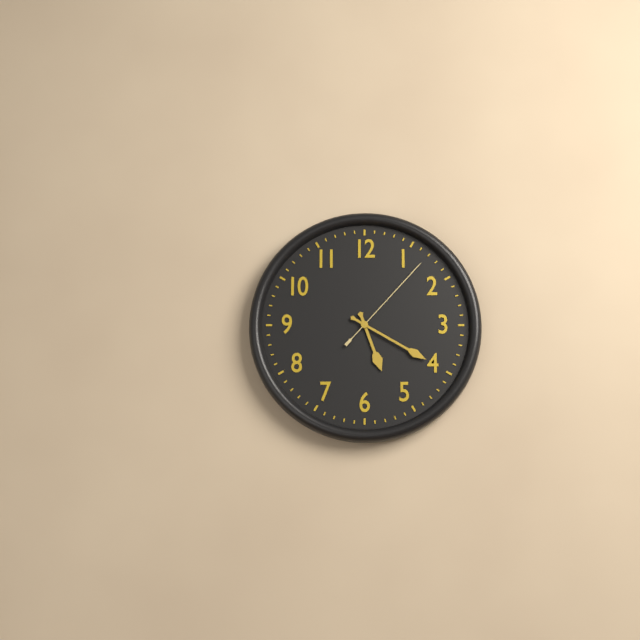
5h20m07s
